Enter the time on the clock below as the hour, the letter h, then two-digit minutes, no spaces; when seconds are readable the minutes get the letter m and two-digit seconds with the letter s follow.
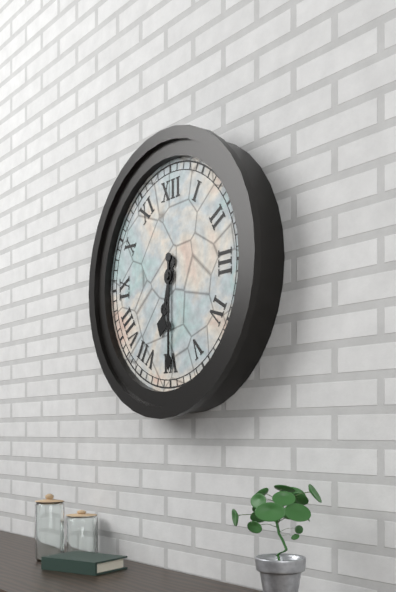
6h30
